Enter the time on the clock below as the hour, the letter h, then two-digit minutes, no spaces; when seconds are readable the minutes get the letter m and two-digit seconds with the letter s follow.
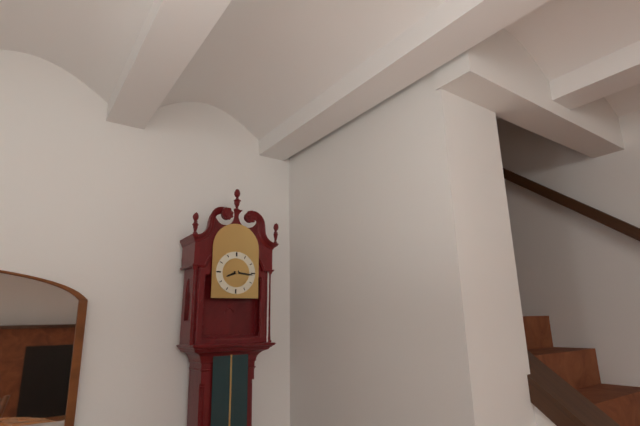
8h16
